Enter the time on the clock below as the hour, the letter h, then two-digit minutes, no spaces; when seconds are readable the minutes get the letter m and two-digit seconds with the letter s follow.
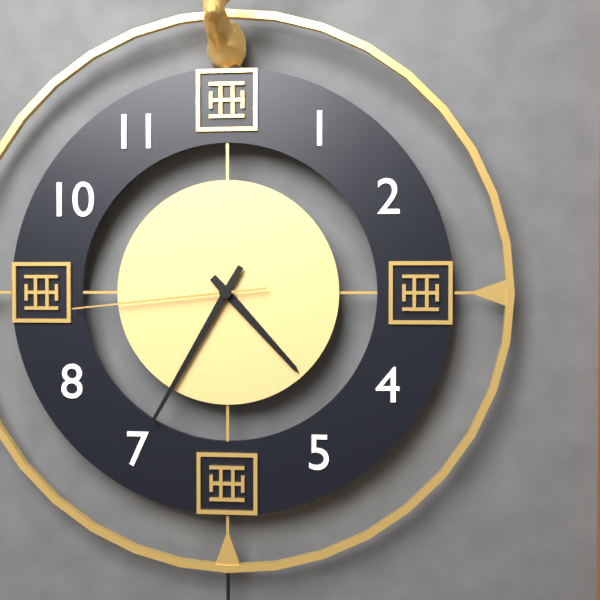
4h35m44s
